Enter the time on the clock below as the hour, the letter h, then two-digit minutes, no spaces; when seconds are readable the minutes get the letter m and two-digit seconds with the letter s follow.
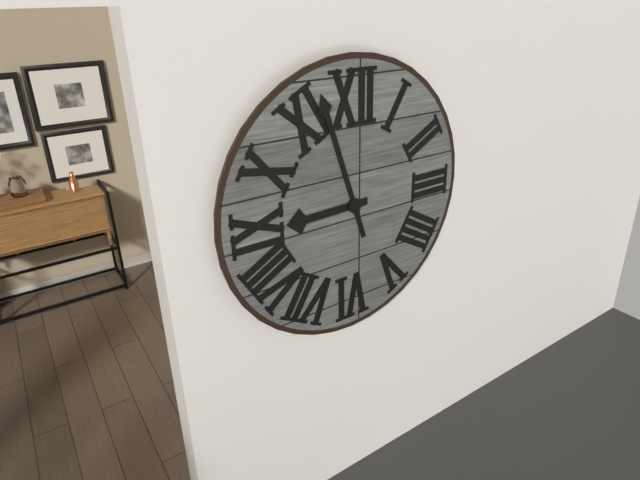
8h57
